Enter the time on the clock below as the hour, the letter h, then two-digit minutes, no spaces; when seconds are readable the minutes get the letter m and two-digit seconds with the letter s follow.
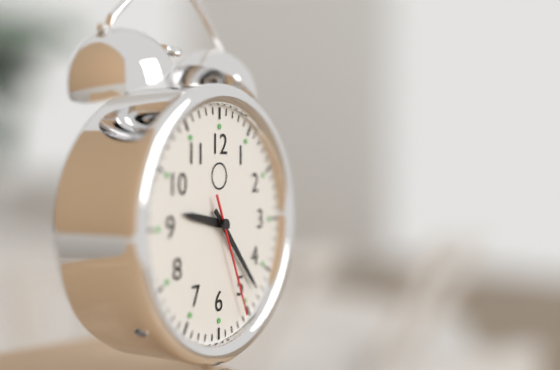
9h23m26s
